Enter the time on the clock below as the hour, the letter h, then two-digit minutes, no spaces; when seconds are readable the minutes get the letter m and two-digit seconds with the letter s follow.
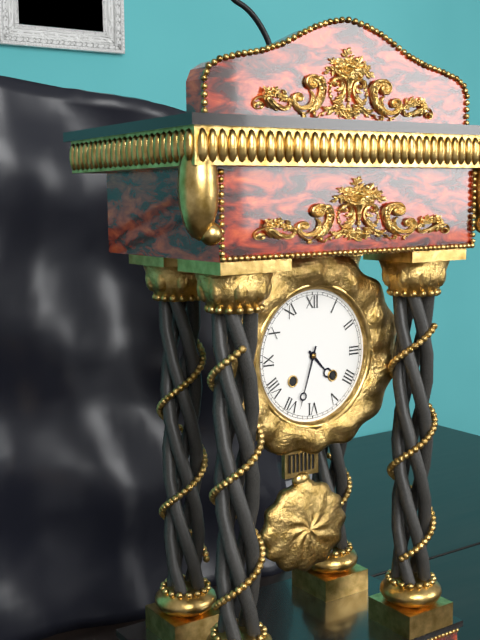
4h33
